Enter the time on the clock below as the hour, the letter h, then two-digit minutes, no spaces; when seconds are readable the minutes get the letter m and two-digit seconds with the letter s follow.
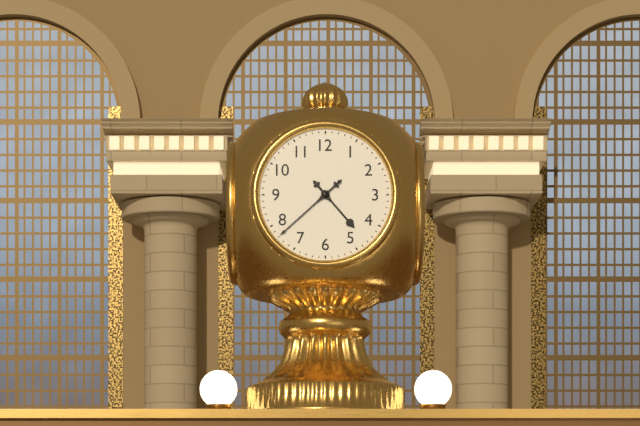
4h38
